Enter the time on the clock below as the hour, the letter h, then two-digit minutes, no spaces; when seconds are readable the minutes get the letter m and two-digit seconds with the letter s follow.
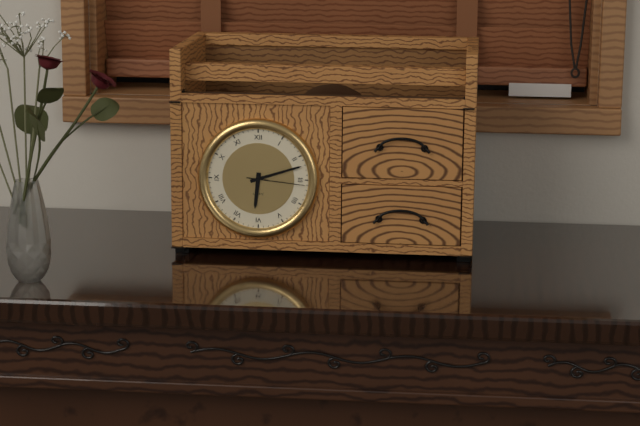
6h12m16s
